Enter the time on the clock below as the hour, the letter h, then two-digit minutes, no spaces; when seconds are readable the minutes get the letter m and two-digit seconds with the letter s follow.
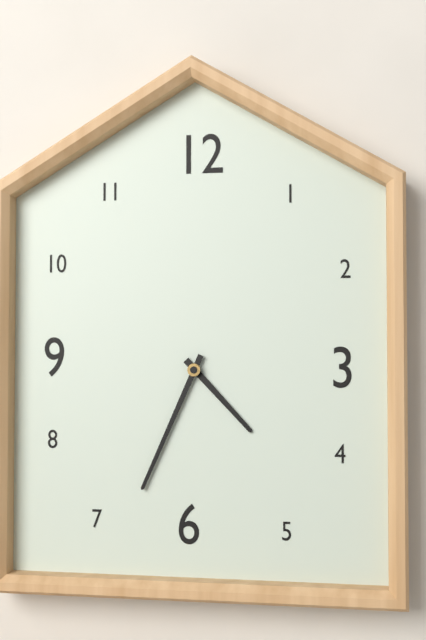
4h34
